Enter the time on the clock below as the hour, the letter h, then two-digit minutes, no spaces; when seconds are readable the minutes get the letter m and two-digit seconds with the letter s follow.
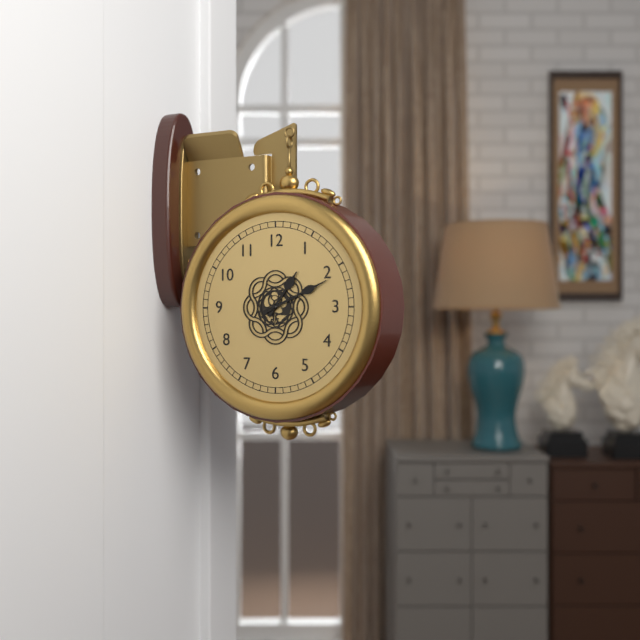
1h11
